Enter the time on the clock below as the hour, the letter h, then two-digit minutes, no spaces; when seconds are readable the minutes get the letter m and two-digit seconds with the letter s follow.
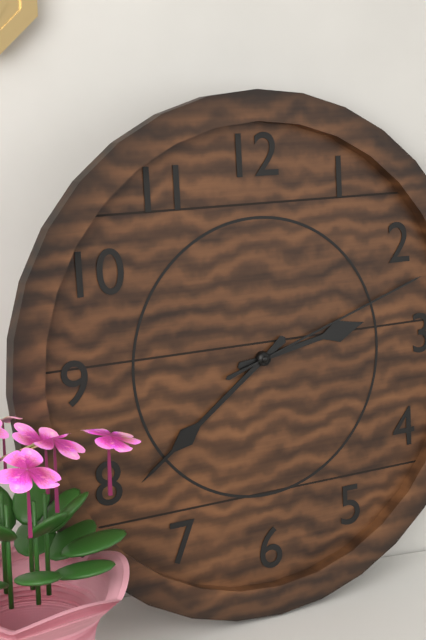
2h39m12s
